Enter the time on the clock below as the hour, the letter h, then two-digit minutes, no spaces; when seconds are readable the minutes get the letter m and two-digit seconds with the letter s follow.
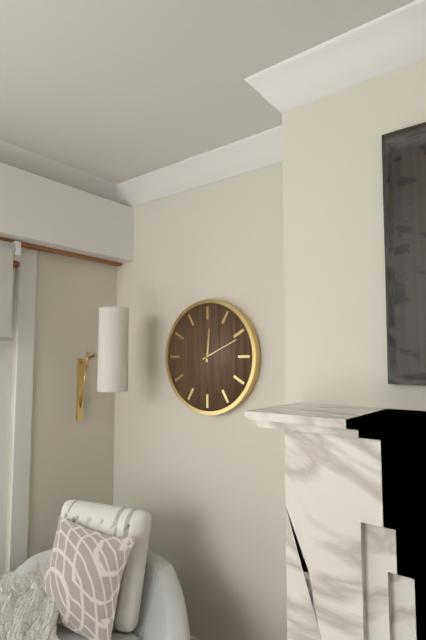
12h11
